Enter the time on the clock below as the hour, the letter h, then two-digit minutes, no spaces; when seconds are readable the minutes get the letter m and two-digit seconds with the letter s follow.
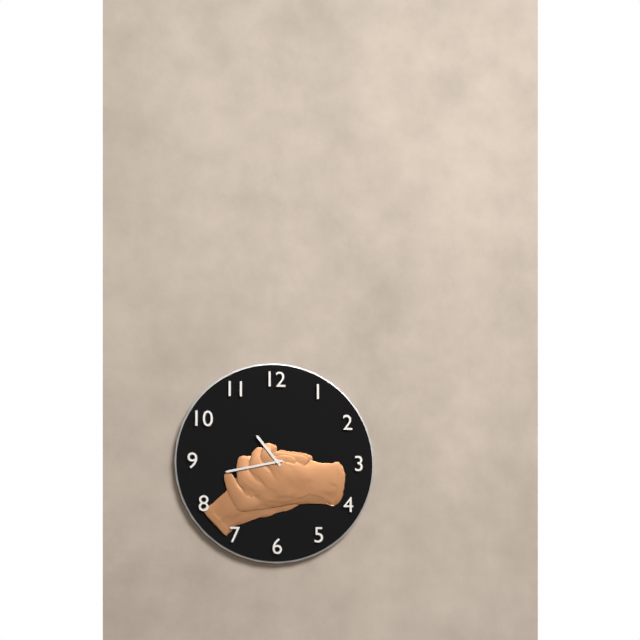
10h43
